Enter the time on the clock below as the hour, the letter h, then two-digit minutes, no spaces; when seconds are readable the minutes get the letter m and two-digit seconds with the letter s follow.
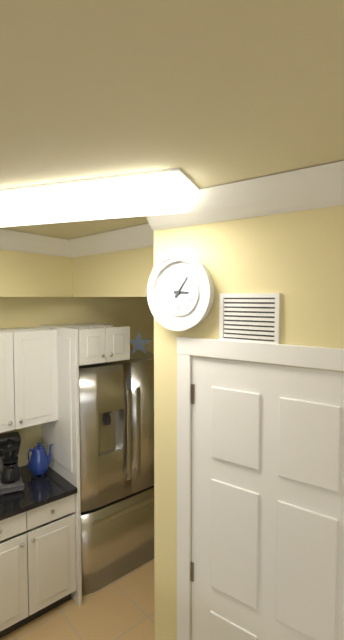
3h06
